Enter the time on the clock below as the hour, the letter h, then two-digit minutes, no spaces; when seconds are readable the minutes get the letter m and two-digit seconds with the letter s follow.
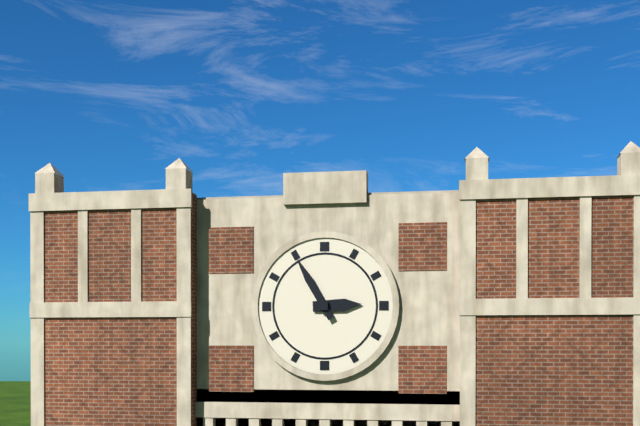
2h55
